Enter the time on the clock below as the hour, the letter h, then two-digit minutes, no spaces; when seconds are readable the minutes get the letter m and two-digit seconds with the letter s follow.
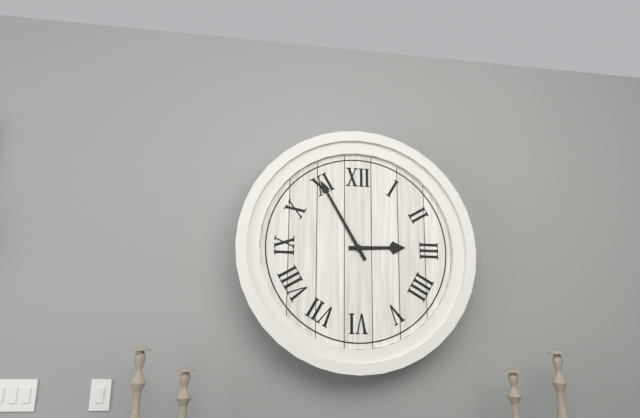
2h55
